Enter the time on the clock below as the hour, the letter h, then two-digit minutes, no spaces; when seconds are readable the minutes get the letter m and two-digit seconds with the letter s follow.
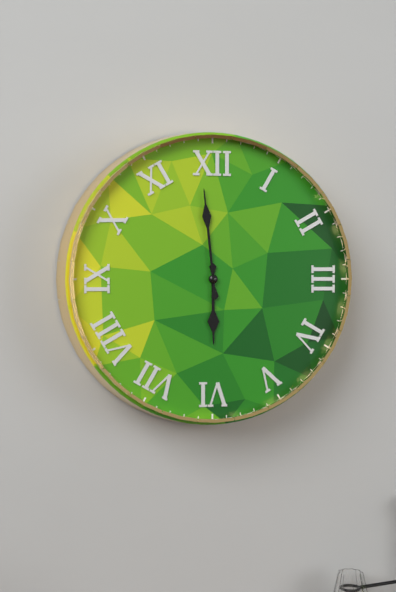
5h59
